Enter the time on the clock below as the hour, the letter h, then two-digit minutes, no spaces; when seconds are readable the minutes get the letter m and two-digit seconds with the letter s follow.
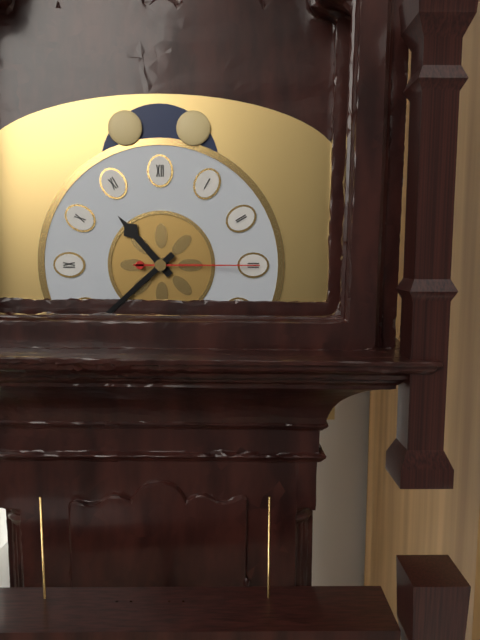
10h38m15s
